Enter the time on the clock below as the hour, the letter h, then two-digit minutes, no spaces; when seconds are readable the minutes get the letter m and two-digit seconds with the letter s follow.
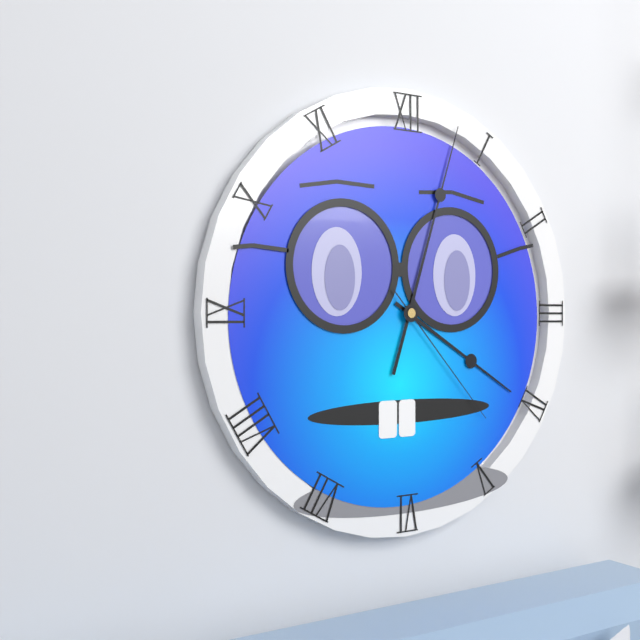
4h03m23s
